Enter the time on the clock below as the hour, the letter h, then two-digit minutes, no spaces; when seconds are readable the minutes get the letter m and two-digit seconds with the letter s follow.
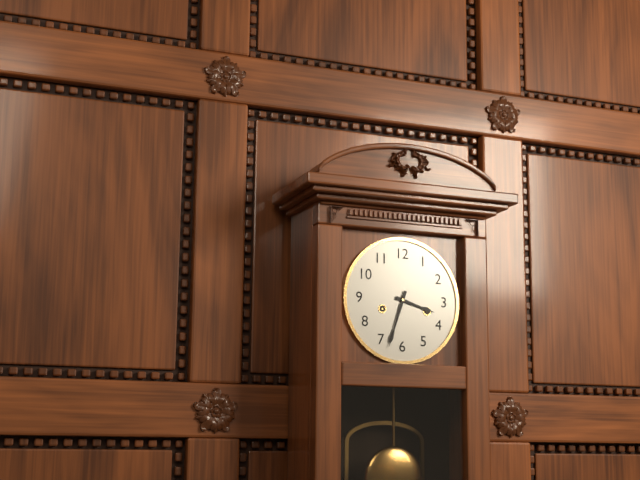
3h33
